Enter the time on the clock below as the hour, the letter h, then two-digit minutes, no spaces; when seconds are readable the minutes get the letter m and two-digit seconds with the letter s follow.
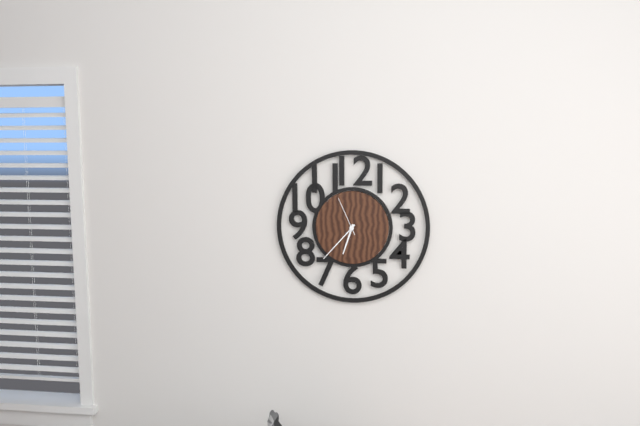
6h37
